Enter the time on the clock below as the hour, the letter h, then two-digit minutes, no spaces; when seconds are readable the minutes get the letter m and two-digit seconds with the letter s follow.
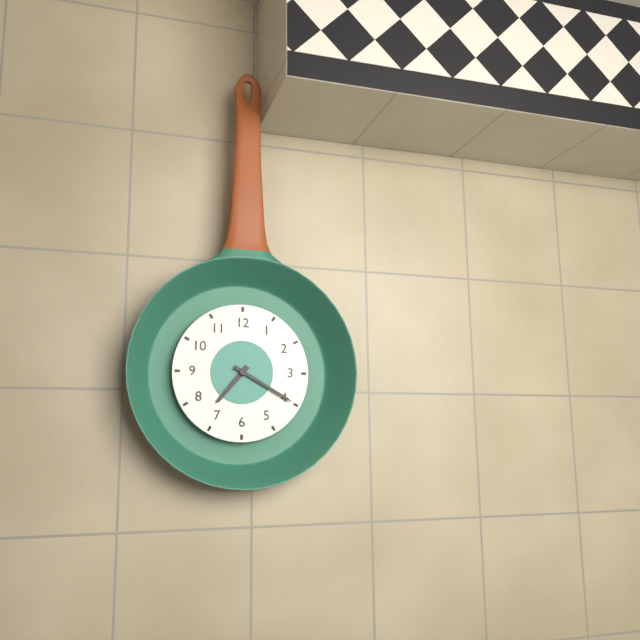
7h20
